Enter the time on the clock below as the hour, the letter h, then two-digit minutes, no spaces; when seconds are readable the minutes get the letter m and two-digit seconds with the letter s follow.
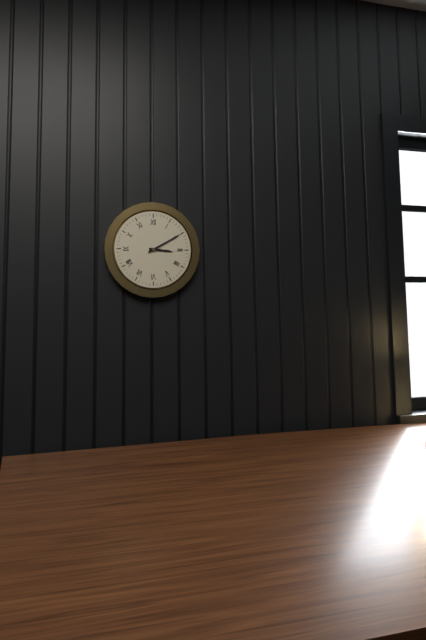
3h10
